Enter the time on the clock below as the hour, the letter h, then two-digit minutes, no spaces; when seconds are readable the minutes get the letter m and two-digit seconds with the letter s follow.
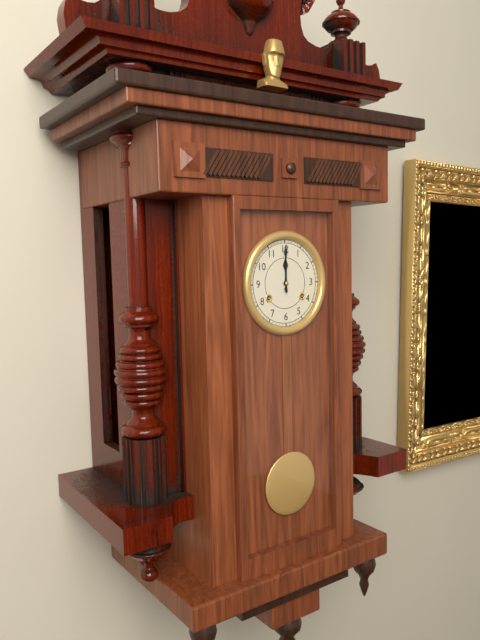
12h00
